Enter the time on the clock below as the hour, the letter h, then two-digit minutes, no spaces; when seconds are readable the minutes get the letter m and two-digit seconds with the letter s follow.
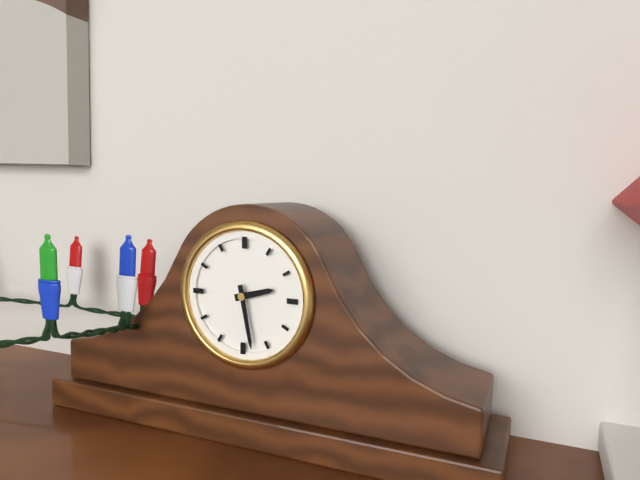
2h28
